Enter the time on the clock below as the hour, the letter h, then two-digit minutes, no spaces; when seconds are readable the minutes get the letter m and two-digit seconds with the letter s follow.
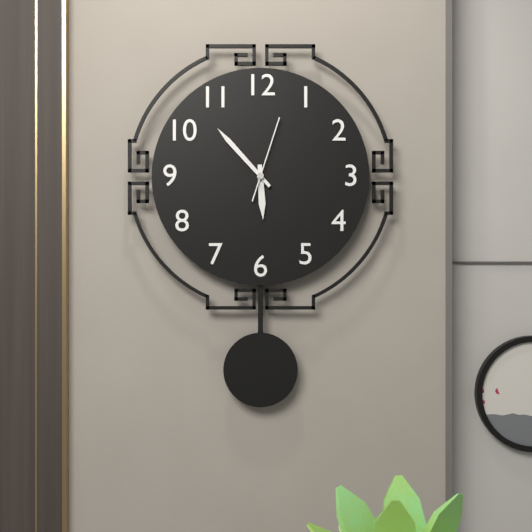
5h53m03s
